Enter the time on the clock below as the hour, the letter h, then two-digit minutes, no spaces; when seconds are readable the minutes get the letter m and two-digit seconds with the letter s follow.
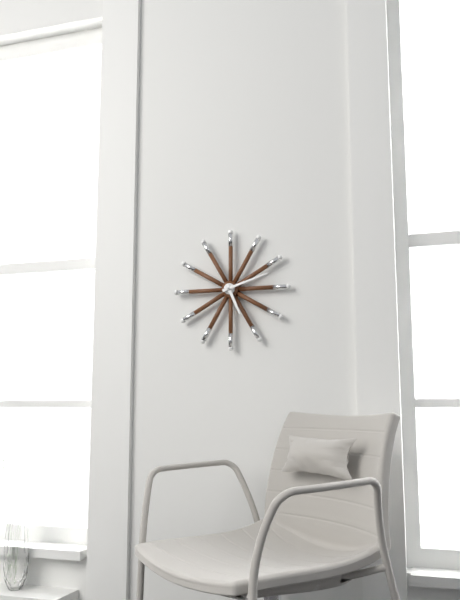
5h12
